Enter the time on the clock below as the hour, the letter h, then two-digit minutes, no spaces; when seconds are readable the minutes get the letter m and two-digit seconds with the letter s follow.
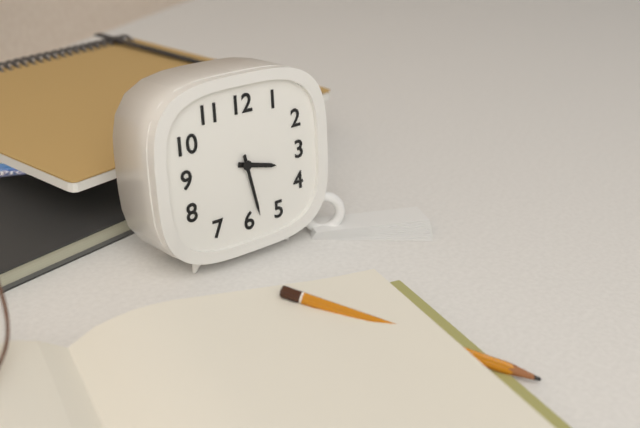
3h28
